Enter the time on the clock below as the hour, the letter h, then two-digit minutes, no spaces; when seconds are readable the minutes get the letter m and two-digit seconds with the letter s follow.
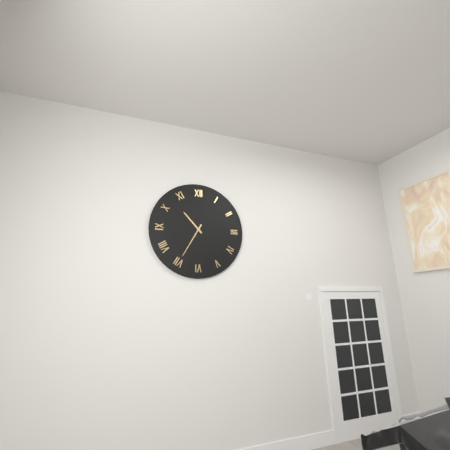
10h35
